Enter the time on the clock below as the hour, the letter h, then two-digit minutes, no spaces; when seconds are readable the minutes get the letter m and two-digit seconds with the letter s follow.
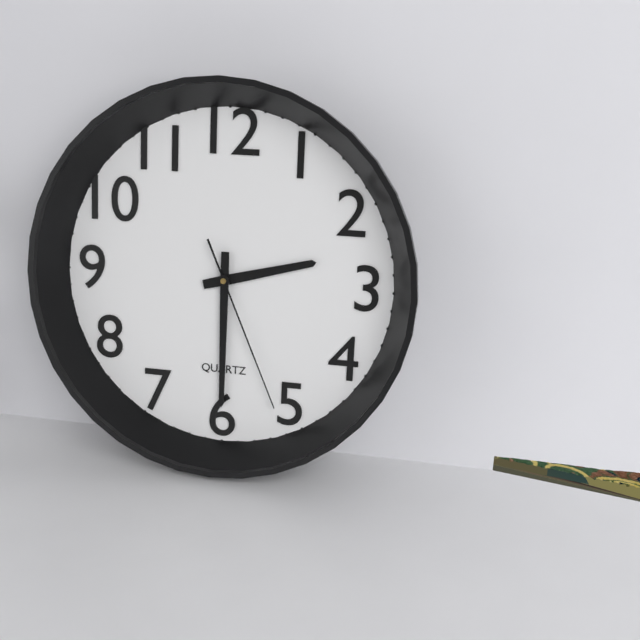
2h30m26s
